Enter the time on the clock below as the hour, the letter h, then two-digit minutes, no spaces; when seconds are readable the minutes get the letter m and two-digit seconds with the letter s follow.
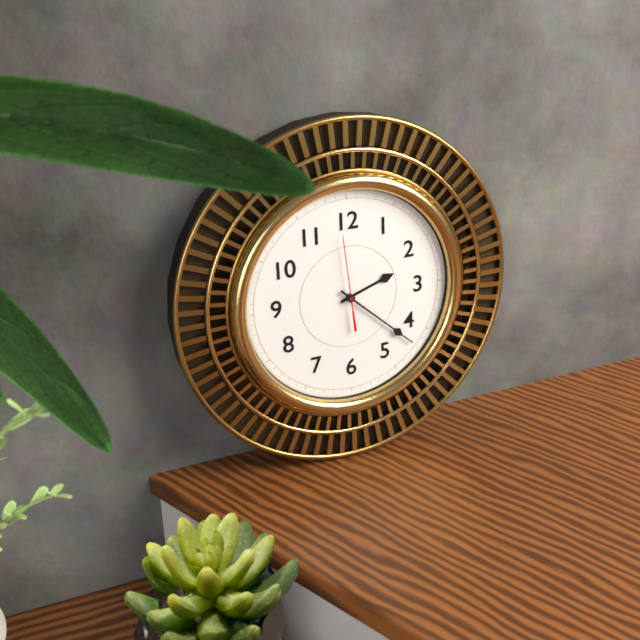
2h22m59s
